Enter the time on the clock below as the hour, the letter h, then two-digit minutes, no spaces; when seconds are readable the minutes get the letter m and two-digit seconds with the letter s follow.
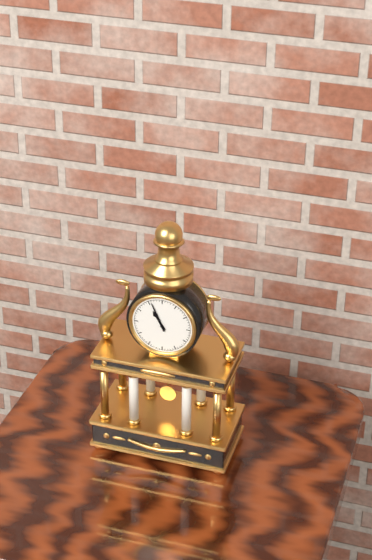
10h56
